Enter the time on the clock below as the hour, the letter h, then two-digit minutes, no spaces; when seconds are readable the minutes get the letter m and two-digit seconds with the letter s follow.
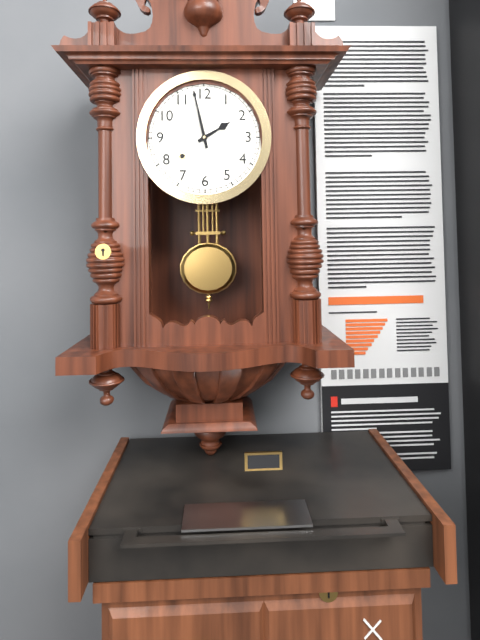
1h58
